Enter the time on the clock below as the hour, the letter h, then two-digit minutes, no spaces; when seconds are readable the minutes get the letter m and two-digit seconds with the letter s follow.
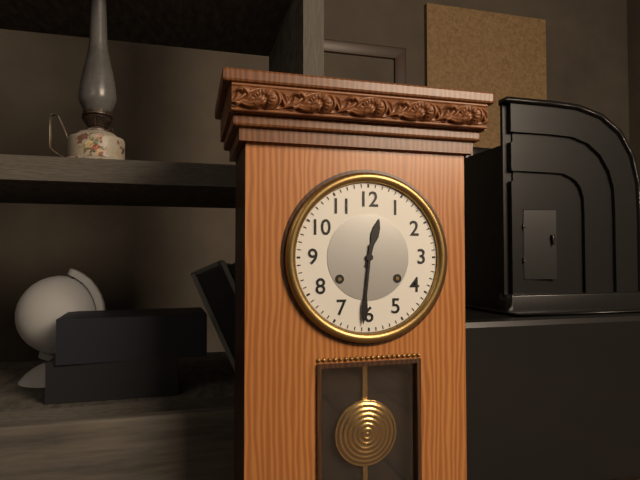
12h31
